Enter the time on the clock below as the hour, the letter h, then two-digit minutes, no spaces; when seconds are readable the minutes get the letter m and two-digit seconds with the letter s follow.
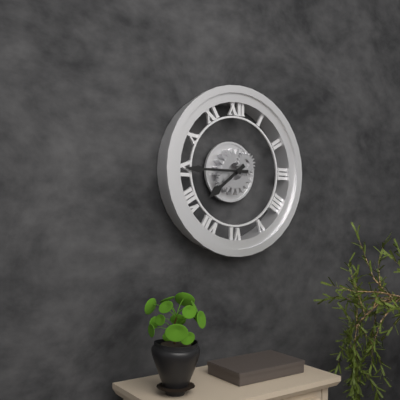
7h45
